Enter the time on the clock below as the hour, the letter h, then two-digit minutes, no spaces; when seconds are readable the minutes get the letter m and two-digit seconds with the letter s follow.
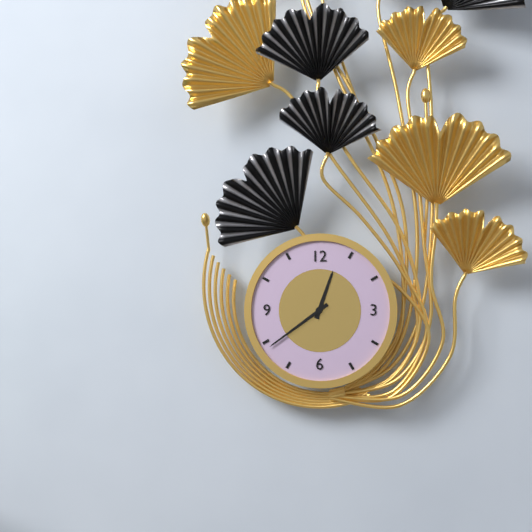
12h39
